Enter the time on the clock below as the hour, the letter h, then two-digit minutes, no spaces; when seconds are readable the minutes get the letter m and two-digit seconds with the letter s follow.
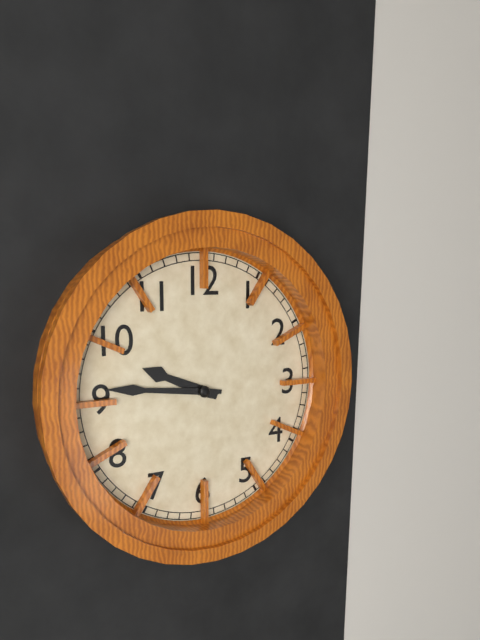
9h46
